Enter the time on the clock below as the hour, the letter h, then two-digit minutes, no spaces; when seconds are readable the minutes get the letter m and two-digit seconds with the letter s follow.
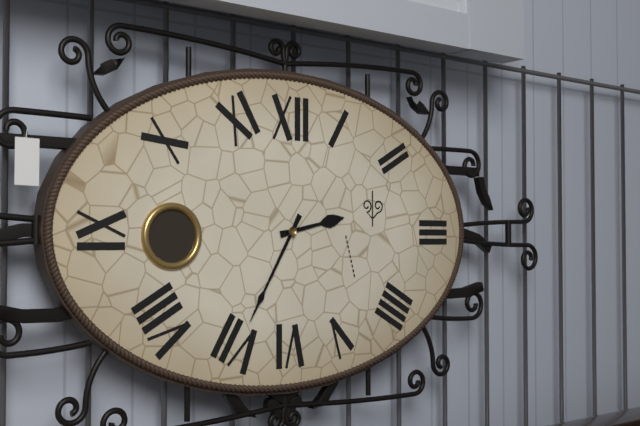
2h35
